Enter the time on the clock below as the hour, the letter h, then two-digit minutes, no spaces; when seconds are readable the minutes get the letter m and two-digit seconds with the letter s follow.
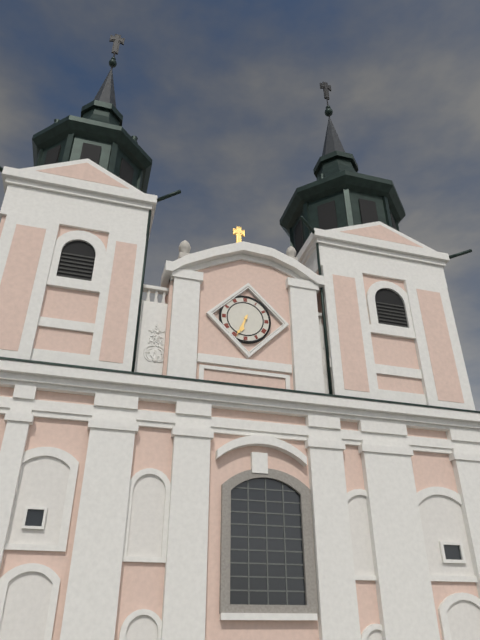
6h34
